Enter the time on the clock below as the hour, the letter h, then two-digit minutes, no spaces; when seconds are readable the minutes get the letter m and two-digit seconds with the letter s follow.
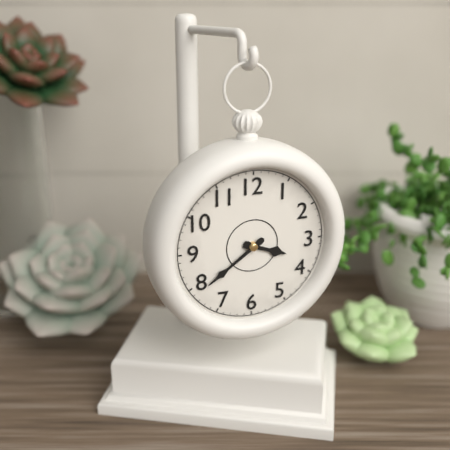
3h39
